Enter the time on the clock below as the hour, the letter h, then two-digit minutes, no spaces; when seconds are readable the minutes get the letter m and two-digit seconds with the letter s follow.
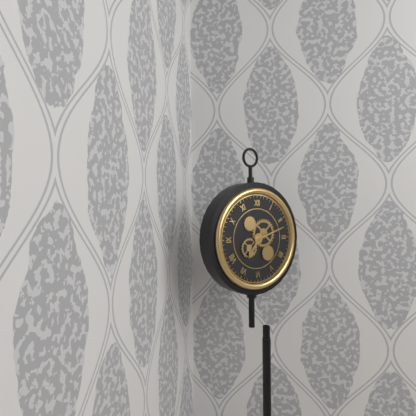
7h12
